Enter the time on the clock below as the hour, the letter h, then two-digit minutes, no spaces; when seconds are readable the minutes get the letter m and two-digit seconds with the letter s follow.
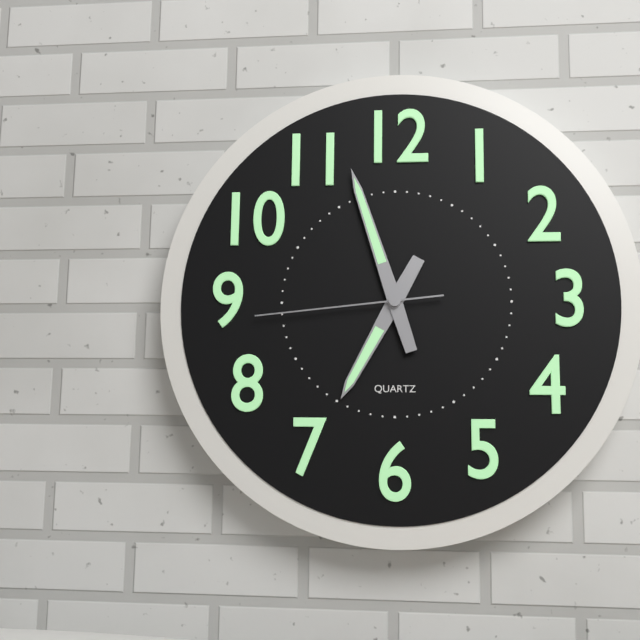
6h57m44s
